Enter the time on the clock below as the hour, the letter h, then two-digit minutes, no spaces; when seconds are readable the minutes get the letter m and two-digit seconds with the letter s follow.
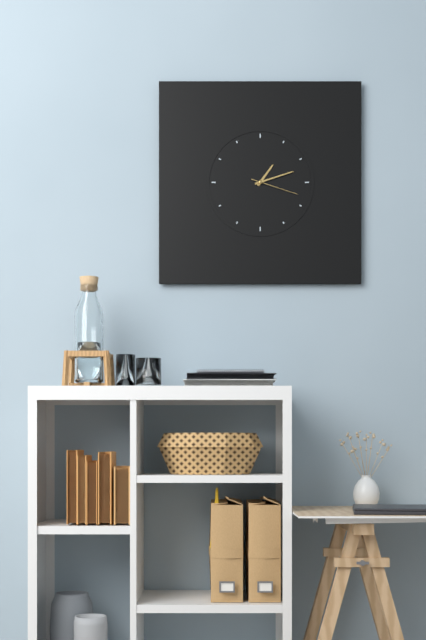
1h12m18s
